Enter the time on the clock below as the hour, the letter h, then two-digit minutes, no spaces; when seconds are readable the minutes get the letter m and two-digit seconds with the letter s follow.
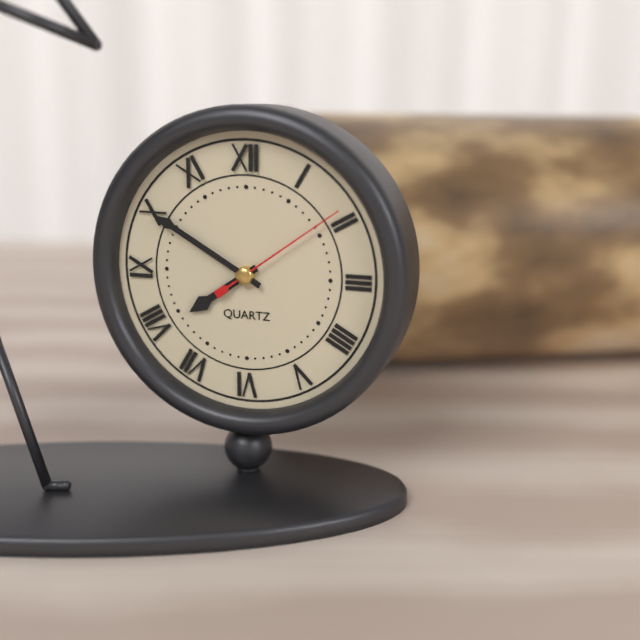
7h50m09s
